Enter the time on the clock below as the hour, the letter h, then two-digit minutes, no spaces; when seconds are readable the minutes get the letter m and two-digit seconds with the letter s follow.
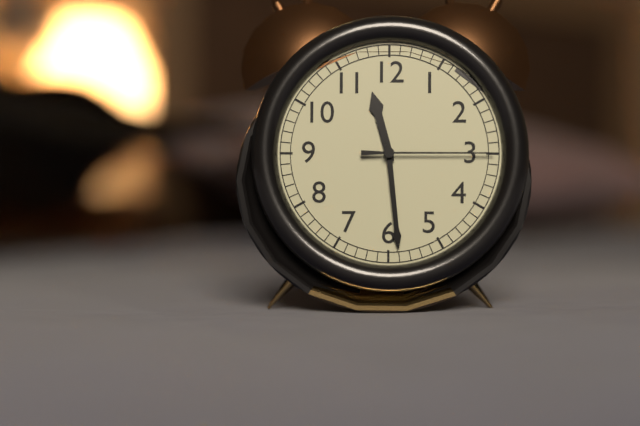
11h29m15s
